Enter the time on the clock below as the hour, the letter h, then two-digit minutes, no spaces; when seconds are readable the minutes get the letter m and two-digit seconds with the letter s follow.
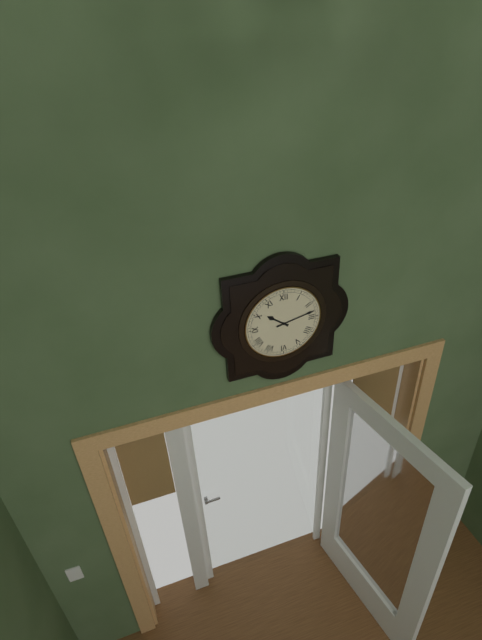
10h13
